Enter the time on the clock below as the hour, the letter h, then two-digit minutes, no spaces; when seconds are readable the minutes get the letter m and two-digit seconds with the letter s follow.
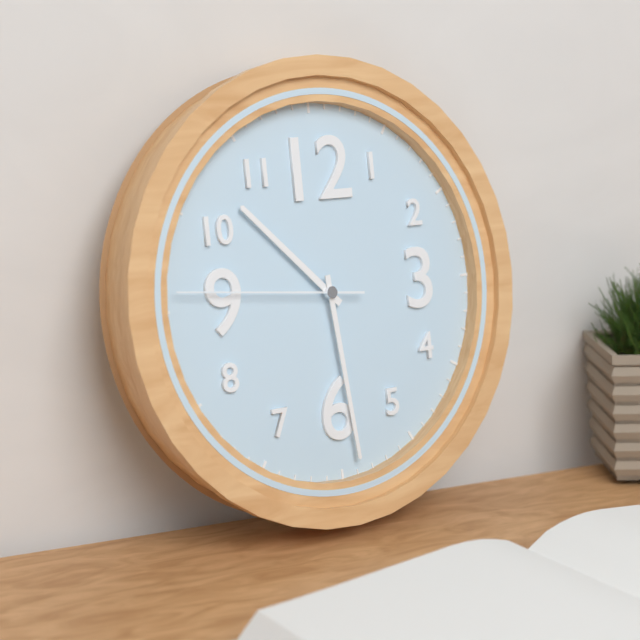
10h29m46s
